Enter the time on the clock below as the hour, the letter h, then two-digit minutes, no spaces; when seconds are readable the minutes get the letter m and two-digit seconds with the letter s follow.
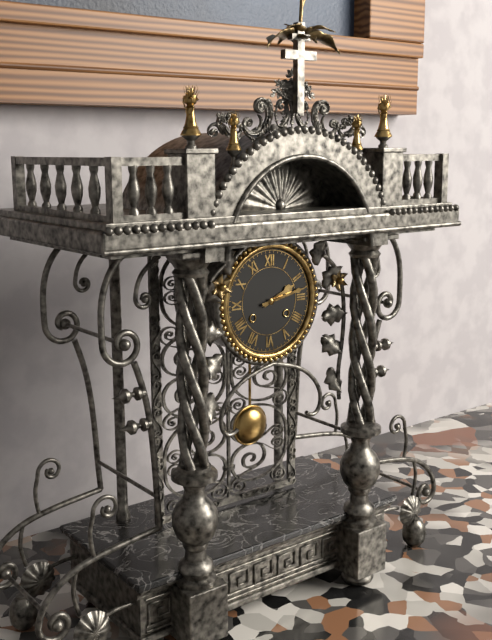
2h13
